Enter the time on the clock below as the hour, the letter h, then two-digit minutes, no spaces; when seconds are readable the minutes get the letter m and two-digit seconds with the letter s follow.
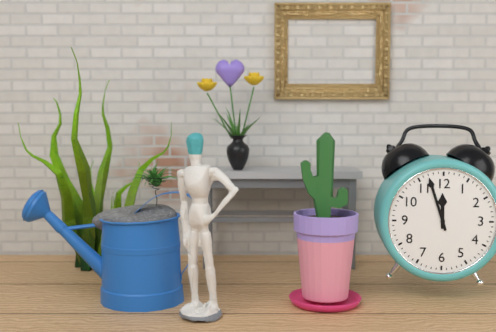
11h57
